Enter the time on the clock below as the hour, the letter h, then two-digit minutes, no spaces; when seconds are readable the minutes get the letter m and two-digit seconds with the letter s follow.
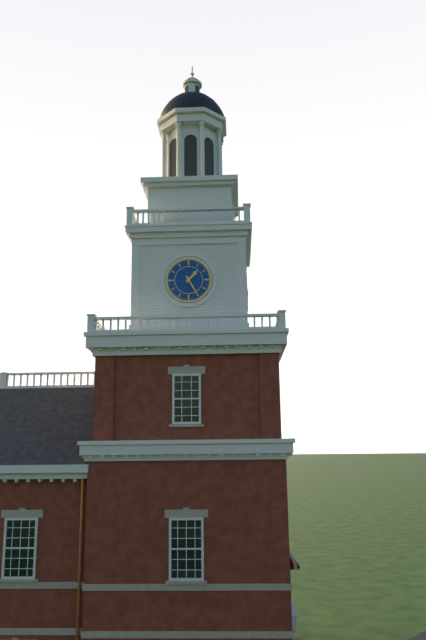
1h25
